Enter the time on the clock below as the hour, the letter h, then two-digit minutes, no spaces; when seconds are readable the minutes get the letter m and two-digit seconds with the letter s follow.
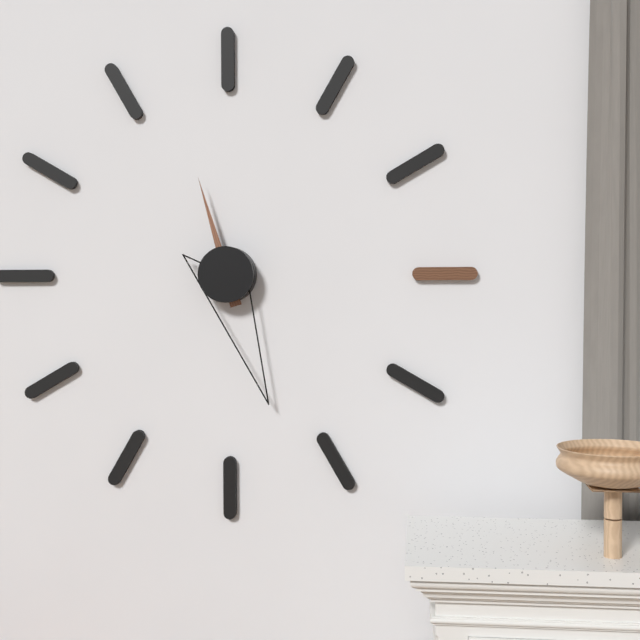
11h27
